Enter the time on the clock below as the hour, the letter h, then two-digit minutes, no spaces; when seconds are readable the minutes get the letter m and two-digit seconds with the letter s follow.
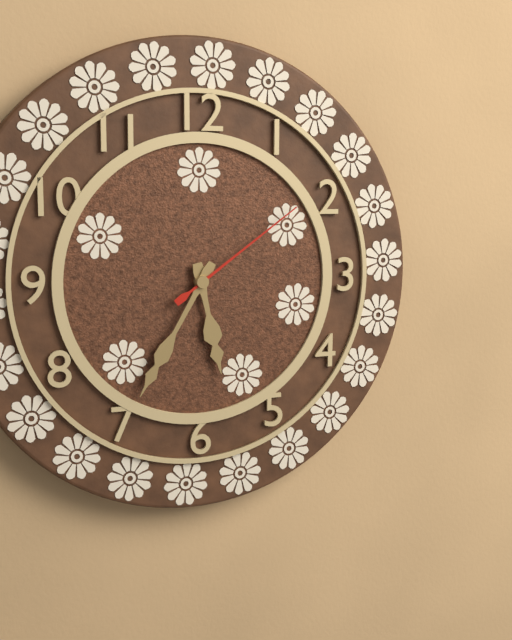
5h35m09s
